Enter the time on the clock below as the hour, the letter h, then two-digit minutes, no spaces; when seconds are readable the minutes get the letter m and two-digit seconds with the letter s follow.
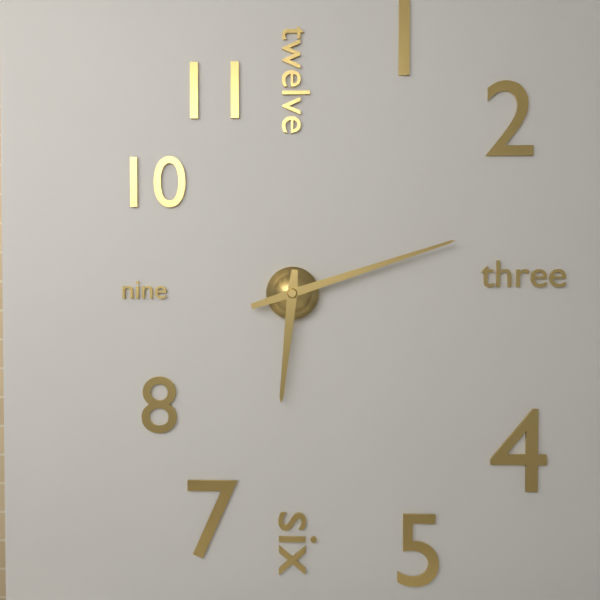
6h12
